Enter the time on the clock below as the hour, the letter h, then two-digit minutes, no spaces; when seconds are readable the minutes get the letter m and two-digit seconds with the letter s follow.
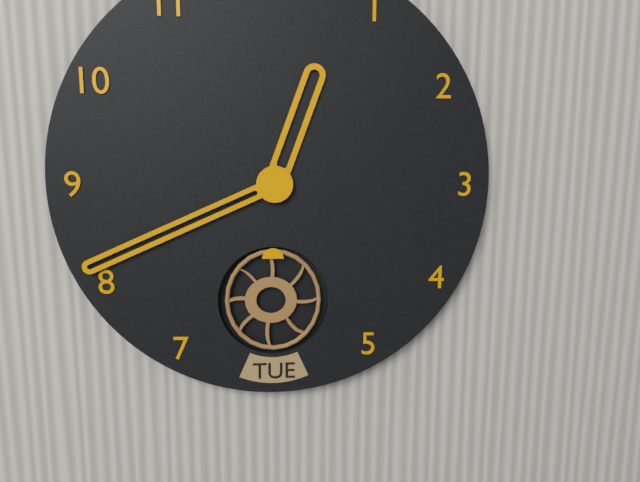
12h41
